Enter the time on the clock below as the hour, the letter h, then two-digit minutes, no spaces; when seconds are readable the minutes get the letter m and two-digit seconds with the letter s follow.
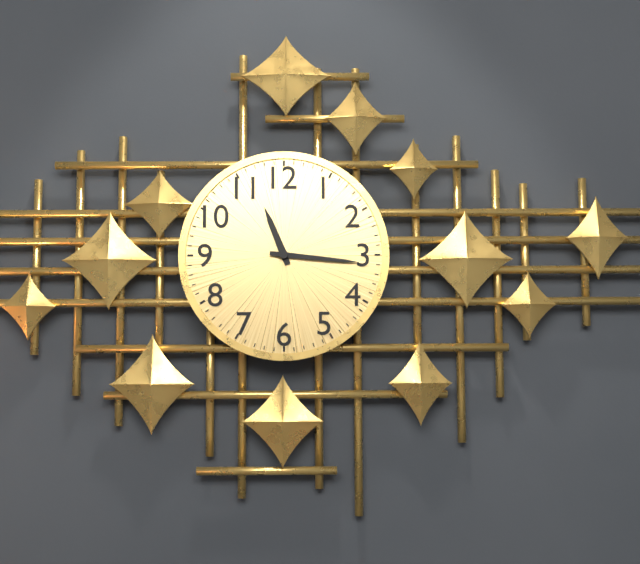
11h16
